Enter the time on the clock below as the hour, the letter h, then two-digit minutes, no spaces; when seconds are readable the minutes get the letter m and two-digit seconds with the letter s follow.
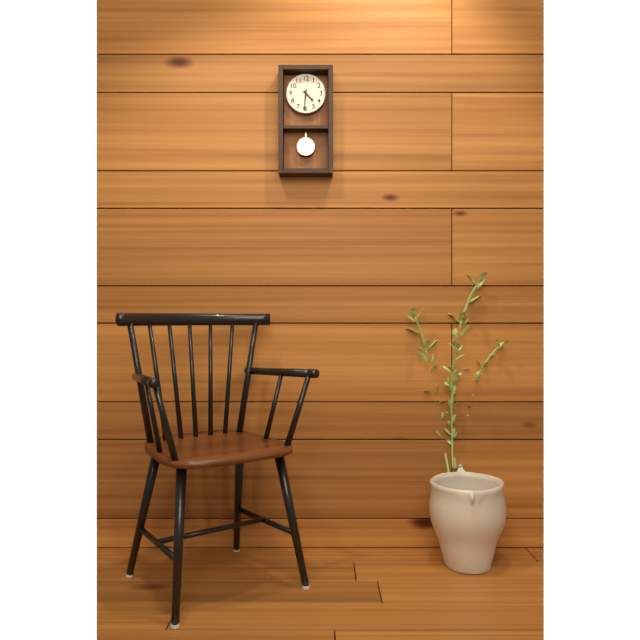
4h31
